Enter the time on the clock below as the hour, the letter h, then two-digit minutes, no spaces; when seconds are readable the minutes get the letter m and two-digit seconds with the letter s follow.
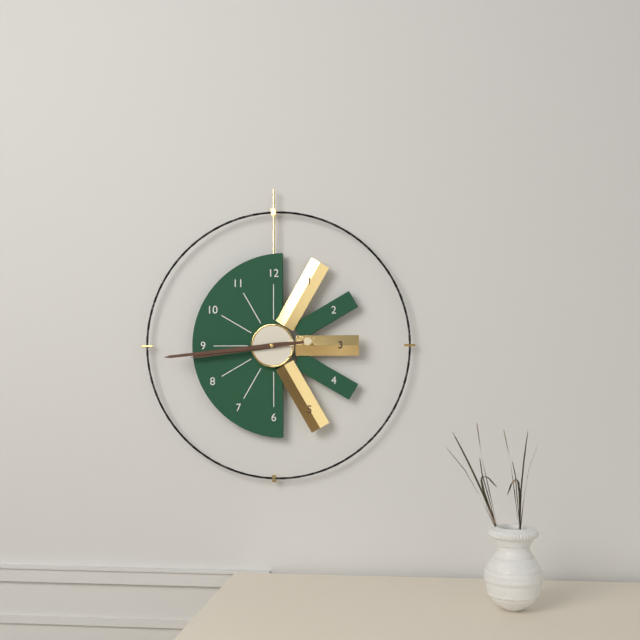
8h44
